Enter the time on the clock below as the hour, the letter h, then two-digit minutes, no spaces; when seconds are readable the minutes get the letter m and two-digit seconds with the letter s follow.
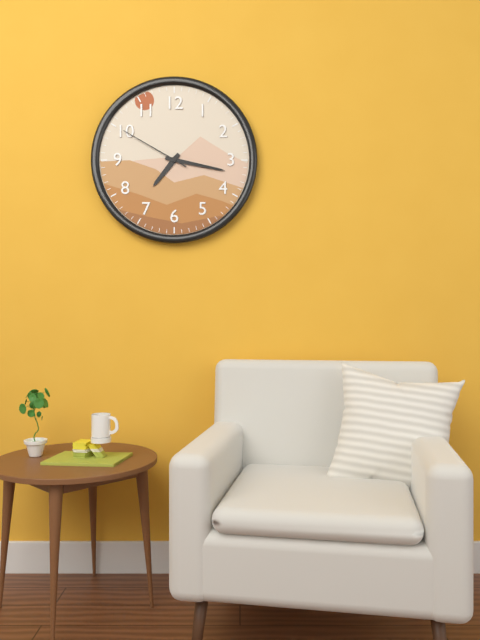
7h17m50s
